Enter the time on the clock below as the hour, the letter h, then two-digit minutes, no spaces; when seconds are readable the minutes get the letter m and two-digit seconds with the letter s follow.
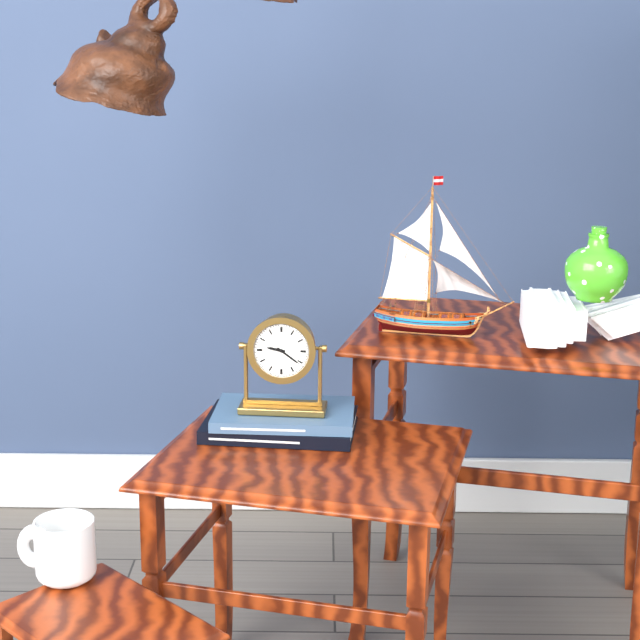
9h21
